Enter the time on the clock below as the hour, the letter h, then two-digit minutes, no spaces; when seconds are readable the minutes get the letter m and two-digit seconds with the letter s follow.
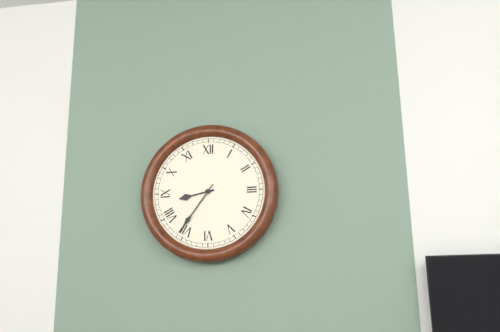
8h36
